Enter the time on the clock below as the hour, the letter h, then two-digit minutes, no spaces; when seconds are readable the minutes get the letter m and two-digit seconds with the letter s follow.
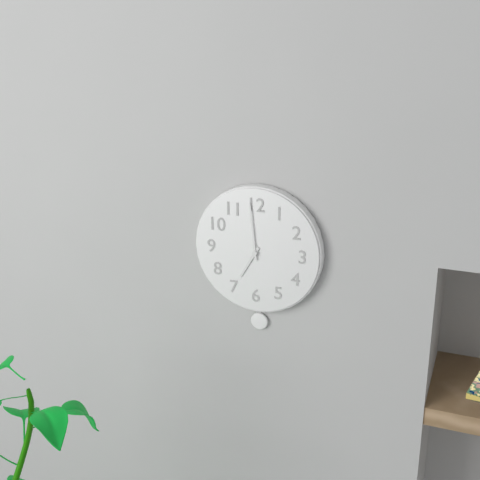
6h59
